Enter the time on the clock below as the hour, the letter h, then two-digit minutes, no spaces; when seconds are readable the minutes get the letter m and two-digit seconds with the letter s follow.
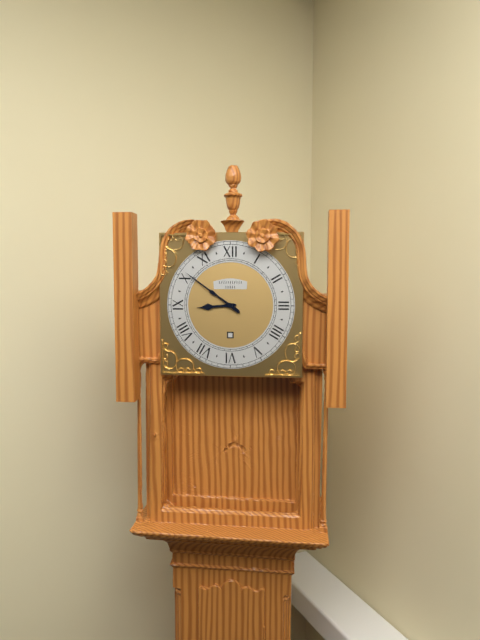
8h51
